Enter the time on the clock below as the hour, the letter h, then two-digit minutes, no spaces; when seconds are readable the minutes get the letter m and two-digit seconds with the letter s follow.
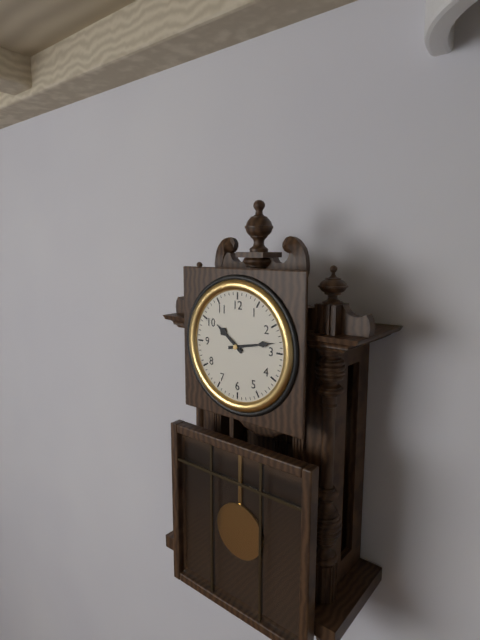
10h13
